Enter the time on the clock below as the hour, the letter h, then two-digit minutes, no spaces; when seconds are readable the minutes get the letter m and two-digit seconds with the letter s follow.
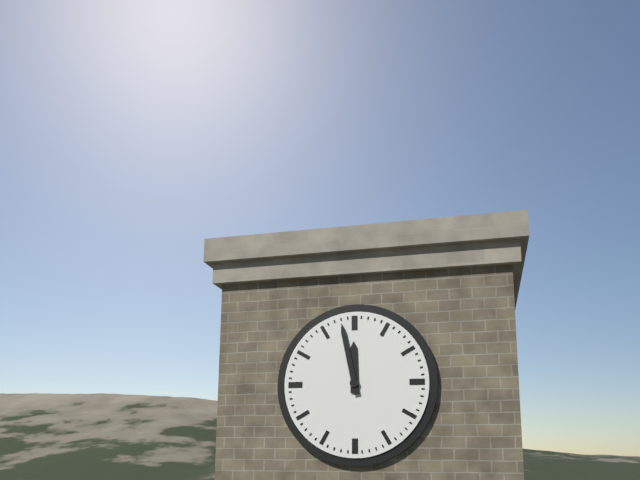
11h58
